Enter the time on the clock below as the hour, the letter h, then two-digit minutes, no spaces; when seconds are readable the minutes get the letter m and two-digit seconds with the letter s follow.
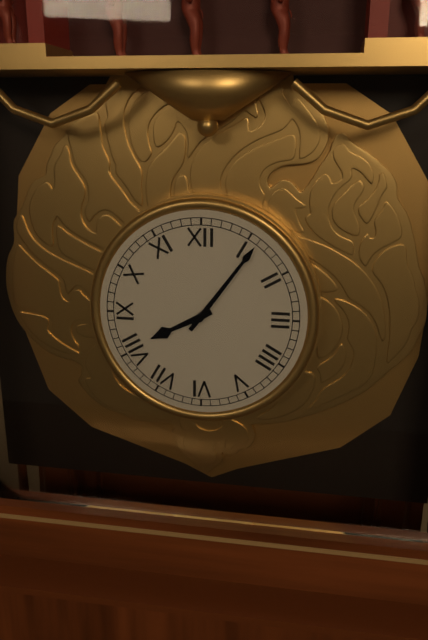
8h06
